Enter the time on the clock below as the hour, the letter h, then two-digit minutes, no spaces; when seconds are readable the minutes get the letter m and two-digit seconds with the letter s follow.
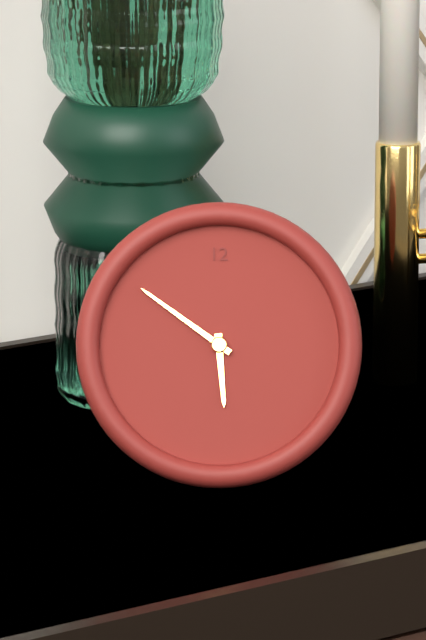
5h51
